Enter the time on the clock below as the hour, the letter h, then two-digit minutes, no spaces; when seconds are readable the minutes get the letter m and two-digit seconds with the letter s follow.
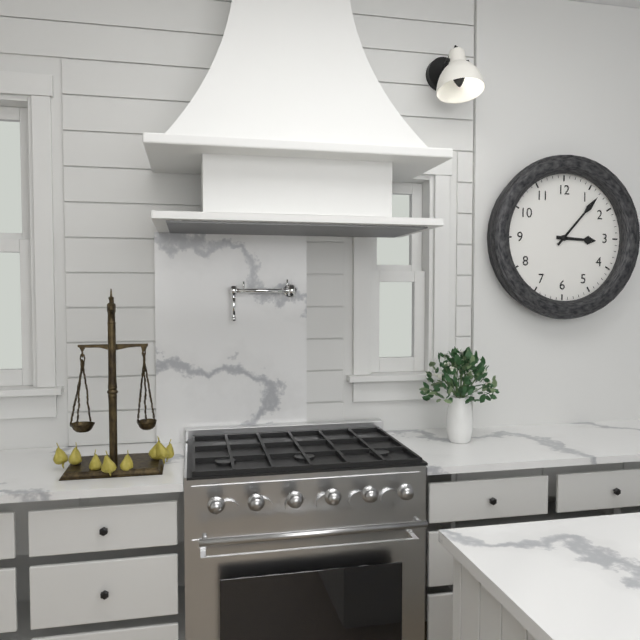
3h07
